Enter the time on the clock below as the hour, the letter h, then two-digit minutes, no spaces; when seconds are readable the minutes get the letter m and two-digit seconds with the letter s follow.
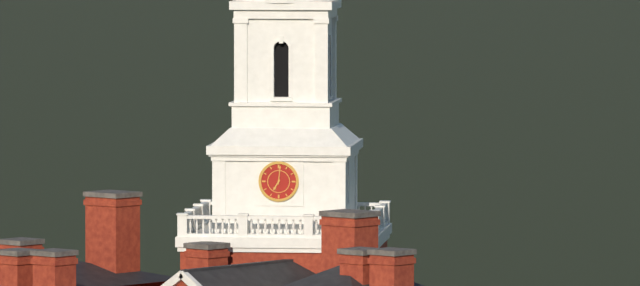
7h01
